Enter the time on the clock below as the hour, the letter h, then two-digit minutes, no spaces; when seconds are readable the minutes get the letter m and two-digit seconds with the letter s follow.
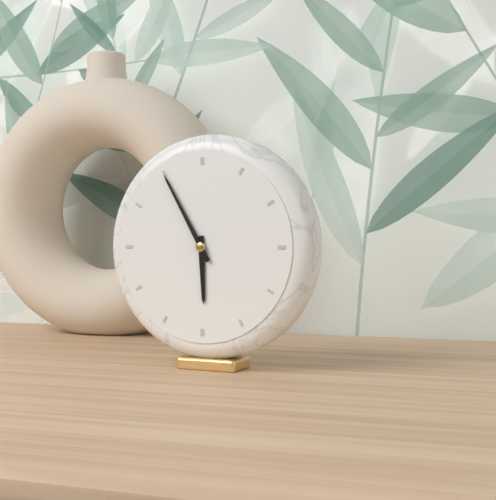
5h55
